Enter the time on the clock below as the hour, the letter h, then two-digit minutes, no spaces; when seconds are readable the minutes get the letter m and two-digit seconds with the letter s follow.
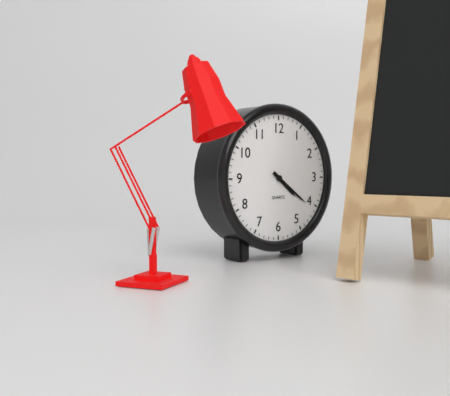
4h21
